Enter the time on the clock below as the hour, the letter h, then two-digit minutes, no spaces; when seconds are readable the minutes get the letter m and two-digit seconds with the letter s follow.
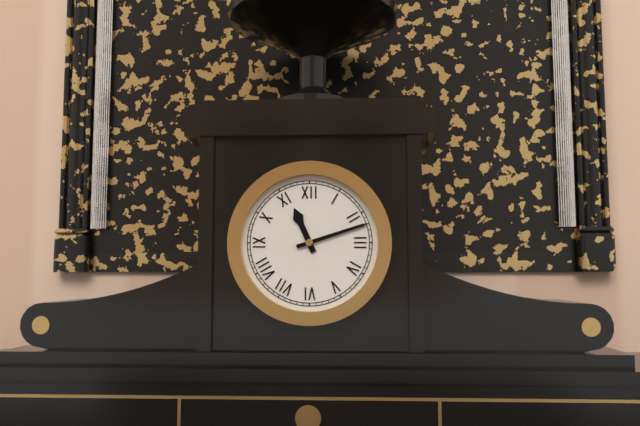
11h12
